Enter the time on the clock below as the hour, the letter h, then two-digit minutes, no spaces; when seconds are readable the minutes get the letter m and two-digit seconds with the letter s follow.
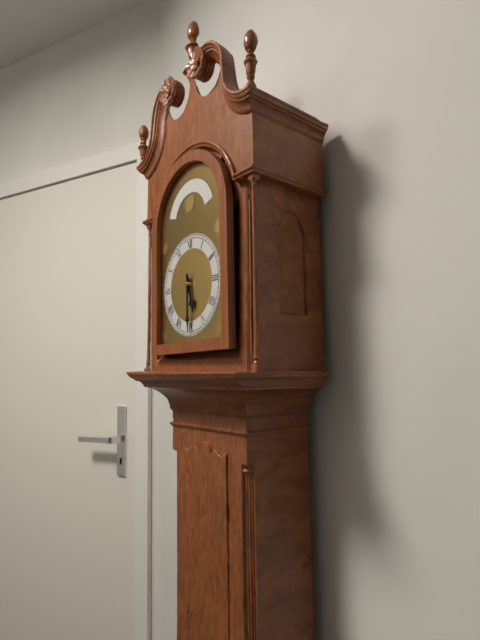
5h30
